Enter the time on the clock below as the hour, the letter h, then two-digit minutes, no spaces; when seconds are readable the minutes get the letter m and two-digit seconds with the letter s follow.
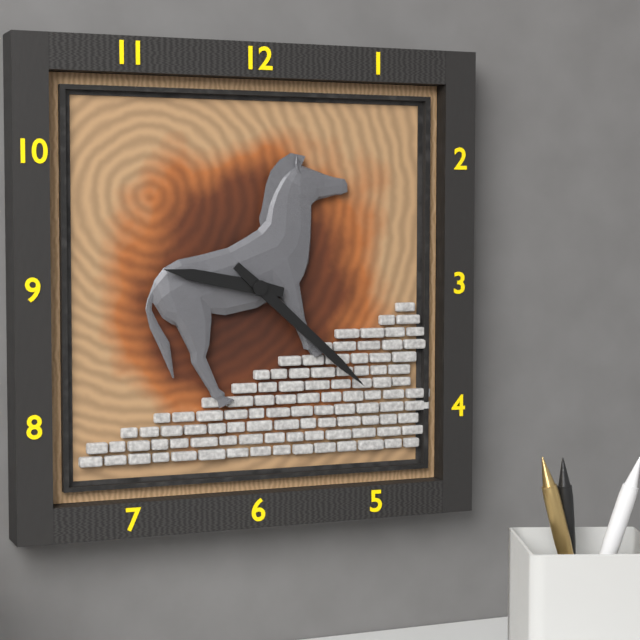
9h22
